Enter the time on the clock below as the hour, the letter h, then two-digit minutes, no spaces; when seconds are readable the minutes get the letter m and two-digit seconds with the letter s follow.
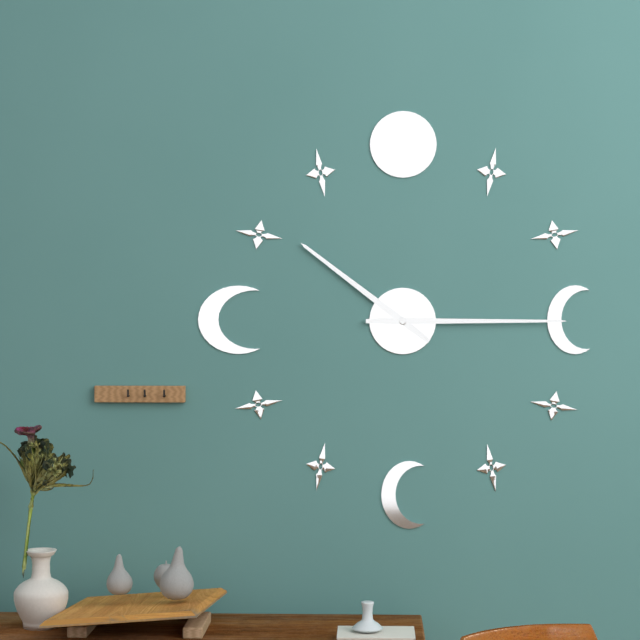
10h15
